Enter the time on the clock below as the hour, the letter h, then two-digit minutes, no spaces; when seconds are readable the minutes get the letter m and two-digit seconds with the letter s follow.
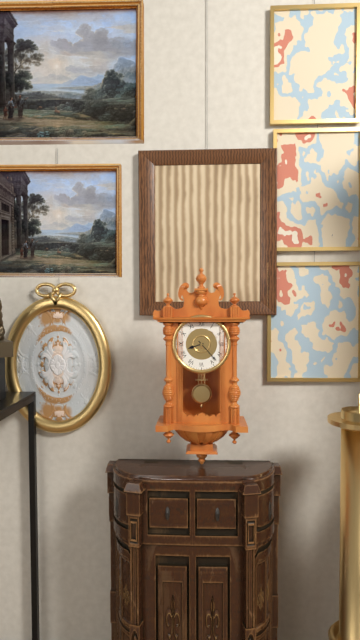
8h23
